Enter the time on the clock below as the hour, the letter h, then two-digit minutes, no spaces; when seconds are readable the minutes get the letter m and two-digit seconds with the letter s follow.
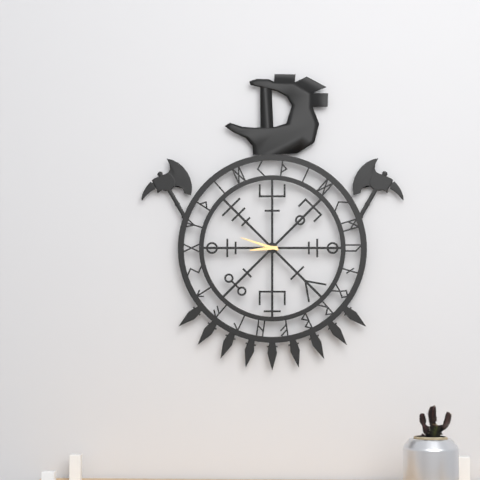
8h48
